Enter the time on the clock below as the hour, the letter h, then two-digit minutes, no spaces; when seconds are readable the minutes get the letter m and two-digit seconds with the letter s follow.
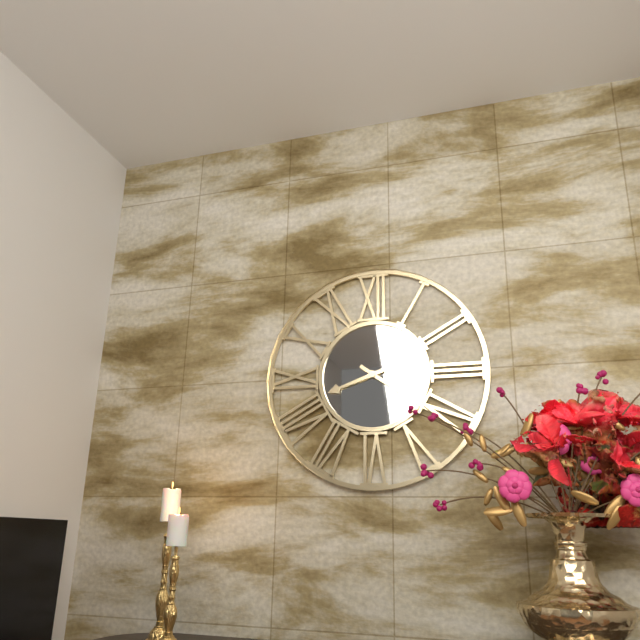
8h21
